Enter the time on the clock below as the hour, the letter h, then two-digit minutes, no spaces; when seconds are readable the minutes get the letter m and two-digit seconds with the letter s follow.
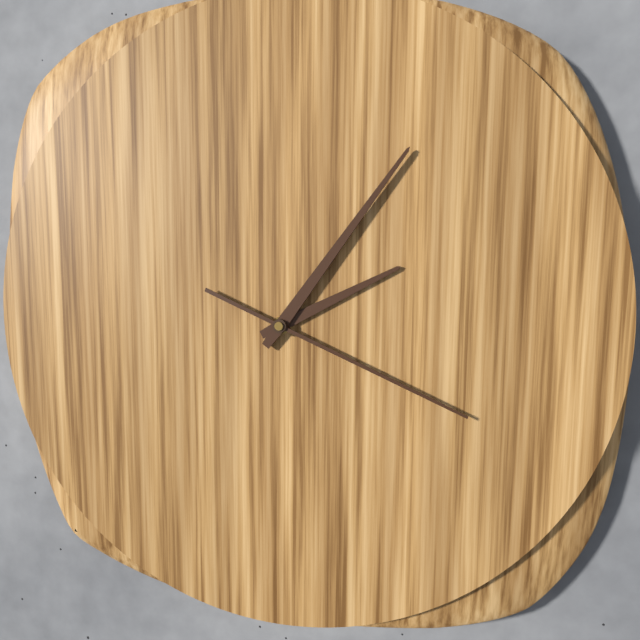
2h06m19s
